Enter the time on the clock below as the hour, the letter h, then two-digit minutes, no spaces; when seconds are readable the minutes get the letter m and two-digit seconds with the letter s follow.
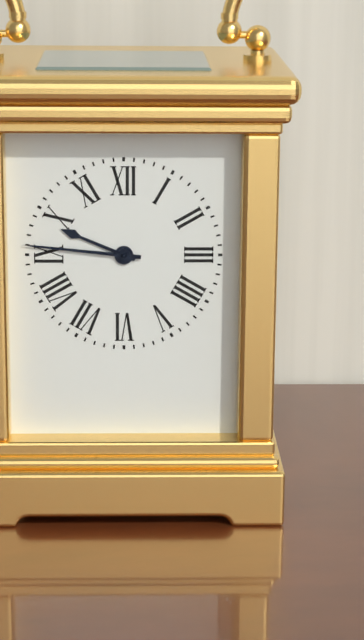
9h46
